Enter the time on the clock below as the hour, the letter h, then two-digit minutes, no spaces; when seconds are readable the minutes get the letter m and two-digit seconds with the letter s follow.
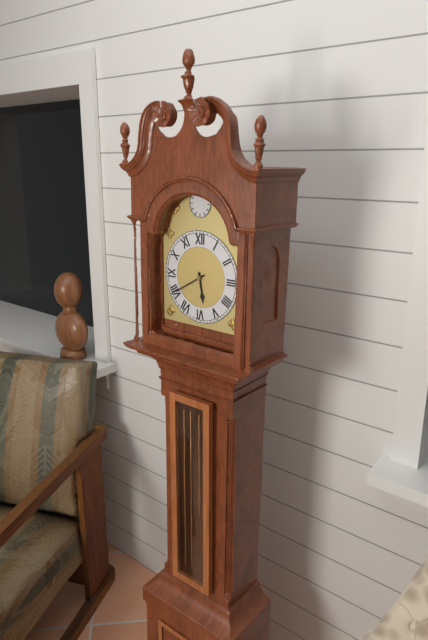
5h40
